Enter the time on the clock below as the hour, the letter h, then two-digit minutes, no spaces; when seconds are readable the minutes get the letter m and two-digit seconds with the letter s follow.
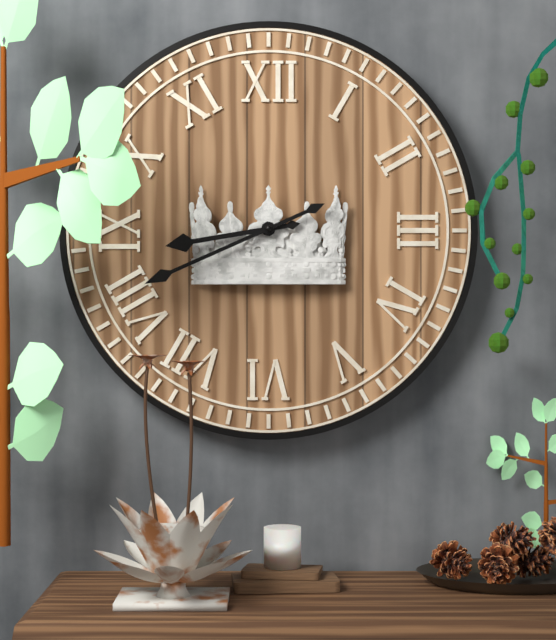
8h41
